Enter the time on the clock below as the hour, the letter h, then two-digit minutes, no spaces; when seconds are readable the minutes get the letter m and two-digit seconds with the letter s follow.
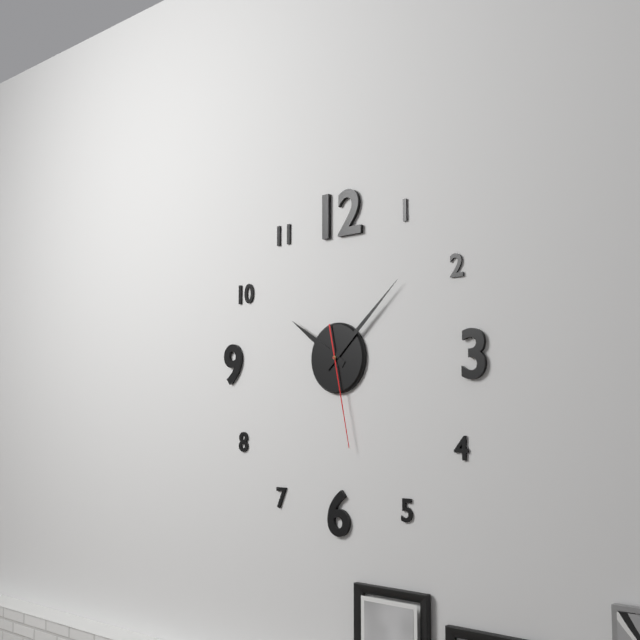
10h08m28s
